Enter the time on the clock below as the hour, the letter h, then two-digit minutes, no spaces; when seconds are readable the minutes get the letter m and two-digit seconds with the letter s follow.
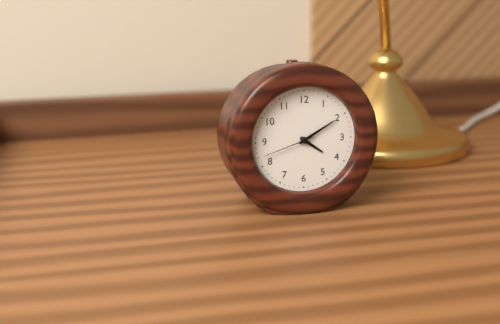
4h10m42s
